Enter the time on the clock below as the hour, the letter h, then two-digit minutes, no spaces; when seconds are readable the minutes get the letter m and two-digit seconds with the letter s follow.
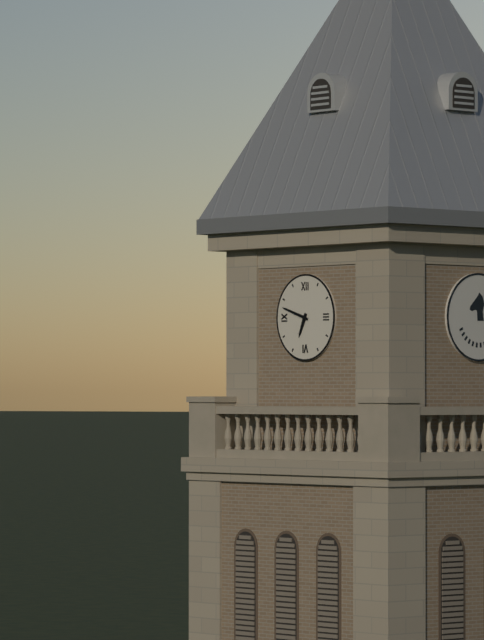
6h48
